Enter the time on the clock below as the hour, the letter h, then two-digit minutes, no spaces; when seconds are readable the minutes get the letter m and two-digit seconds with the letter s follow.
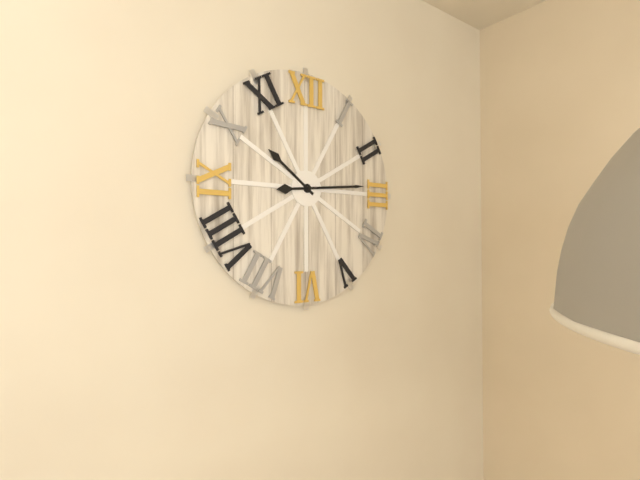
10h14
